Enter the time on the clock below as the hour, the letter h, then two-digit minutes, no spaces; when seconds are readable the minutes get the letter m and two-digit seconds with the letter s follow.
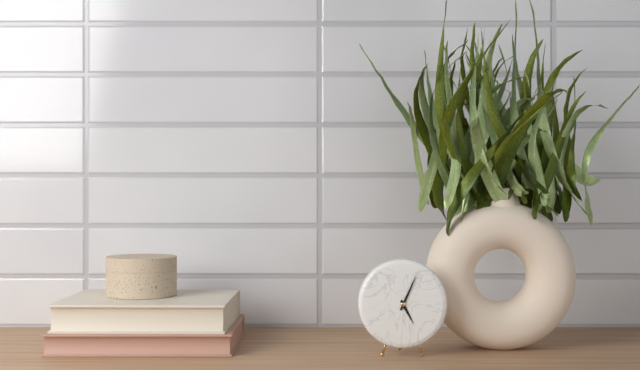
5h04
